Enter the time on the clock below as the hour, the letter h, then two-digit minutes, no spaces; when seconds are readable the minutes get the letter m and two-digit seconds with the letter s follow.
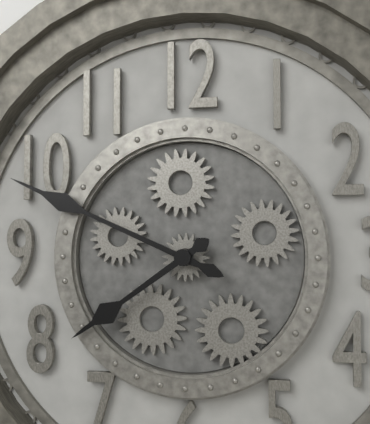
7h49
